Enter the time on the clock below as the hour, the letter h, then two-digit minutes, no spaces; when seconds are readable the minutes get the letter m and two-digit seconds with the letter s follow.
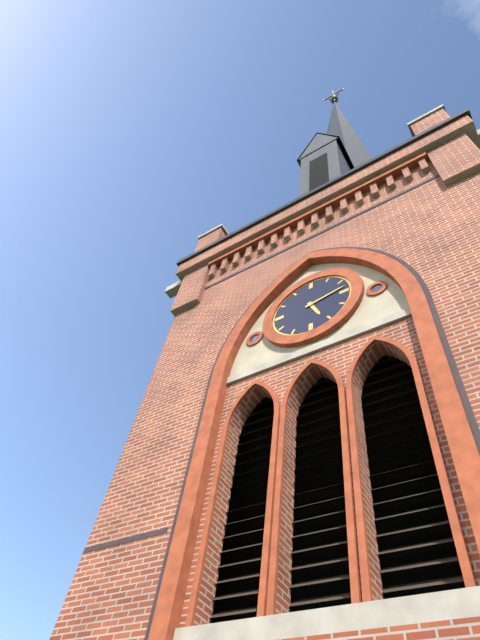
5h13
